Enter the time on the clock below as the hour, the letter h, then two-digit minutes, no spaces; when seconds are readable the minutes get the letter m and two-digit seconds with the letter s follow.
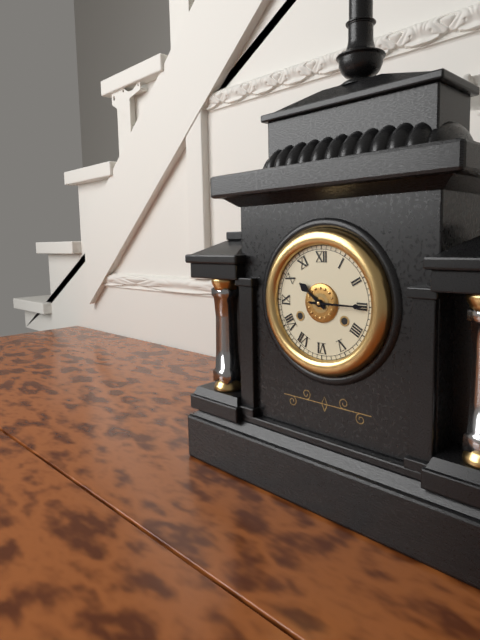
10h15
